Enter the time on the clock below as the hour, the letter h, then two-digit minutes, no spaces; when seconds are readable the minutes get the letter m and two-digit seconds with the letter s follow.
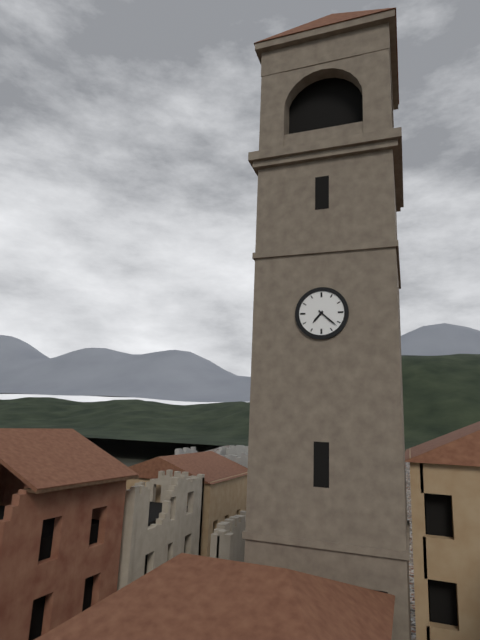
7h22
